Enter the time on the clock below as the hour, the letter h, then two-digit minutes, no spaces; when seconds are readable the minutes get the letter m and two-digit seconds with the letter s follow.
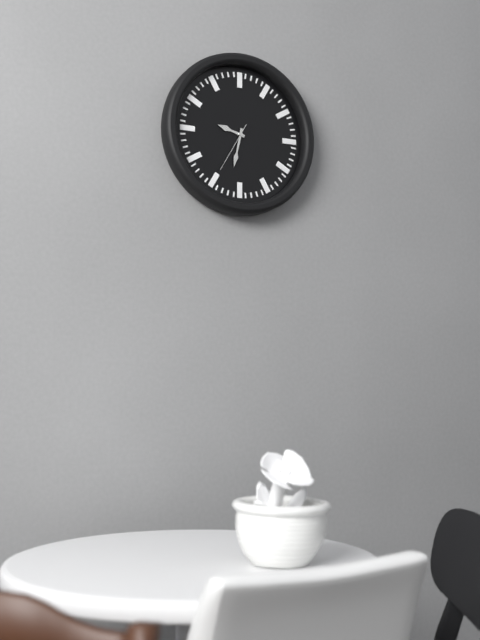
9h32m35s
